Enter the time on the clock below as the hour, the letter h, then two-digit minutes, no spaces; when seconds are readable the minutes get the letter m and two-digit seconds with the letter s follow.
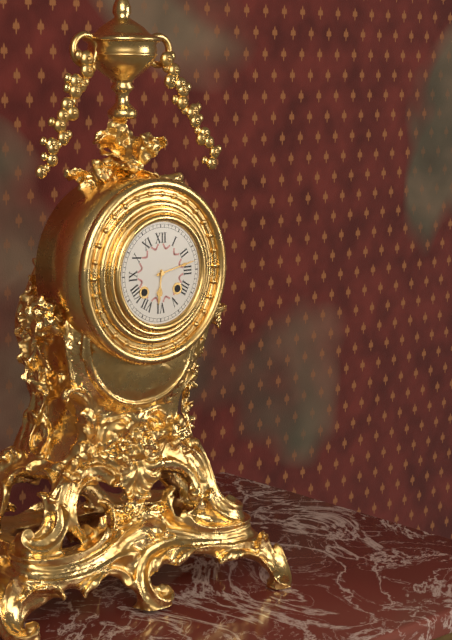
6h13
